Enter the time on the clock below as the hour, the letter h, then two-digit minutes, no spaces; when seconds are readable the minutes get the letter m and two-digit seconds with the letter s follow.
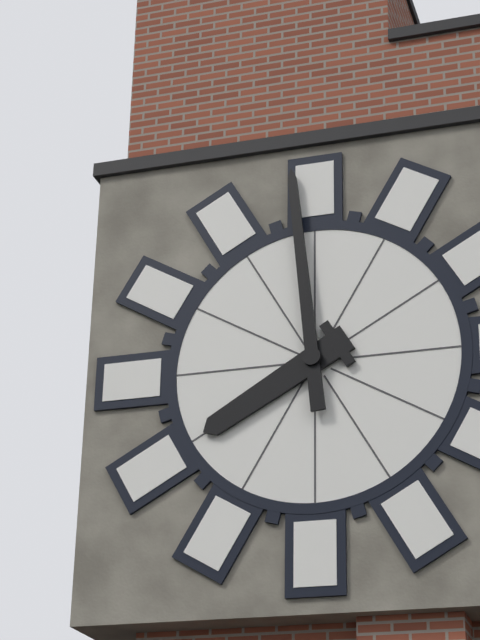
7h59
